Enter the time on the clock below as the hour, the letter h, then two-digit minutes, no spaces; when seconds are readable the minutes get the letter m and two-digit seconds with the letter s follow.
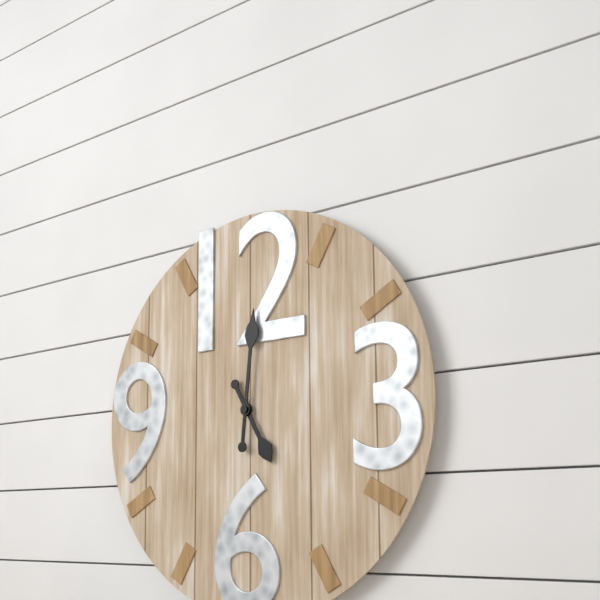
5h01
